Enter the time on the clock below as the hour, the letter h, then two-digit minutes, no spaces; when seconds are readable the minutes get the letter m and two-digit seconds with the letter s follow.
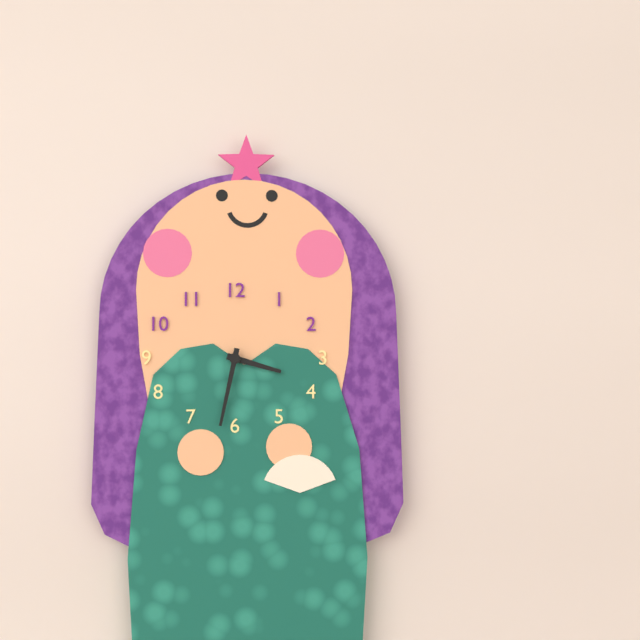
3h32
